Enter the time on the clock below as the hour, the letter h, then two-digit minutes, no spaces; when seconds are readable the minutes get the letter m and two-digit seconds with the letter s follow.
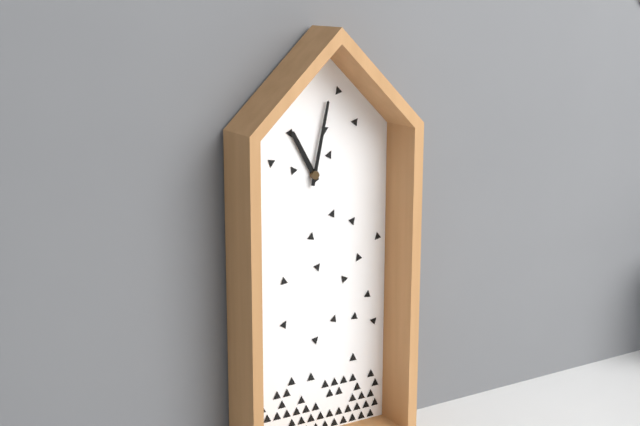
11h02
